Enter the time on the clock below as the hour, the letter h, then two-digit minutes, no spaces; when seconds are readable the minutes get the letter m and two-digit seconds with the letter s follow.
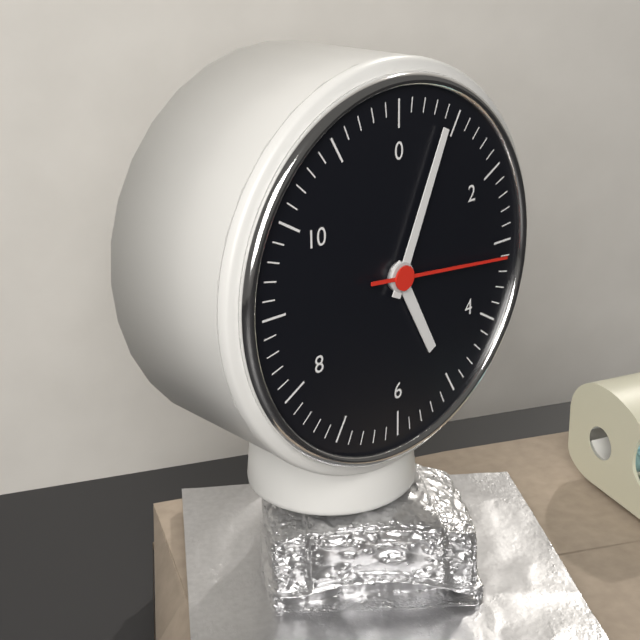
5h04m16s
